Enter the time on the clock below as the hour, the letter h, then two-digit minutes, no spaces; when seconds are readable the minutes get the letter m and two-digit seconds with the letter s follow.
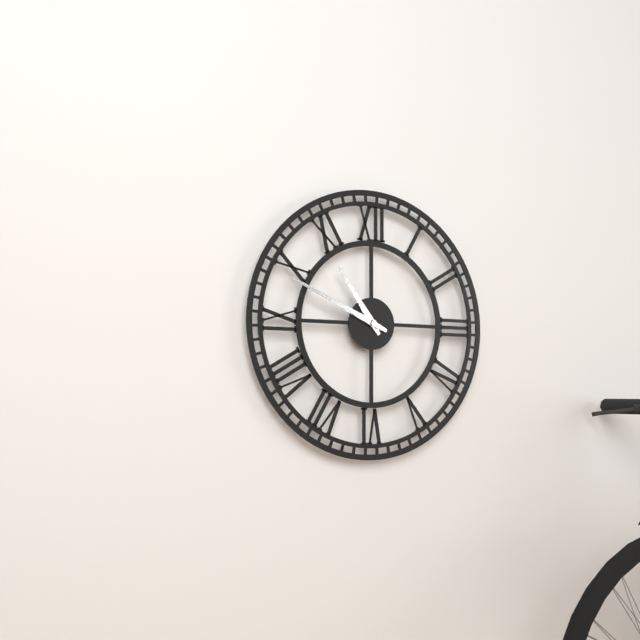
10h49
